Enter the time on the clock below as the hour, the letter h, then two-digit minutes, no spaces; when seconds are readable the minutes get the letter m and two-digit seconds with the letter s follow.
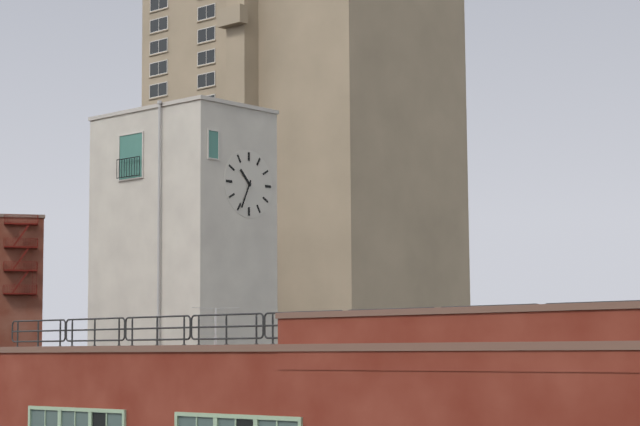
10h34
